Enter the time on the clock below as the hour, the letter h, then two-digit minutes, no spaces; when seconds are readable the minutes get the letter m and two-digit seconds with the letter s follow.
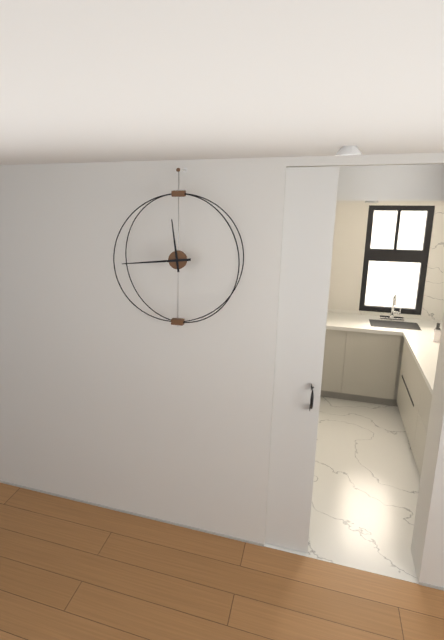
11h44
